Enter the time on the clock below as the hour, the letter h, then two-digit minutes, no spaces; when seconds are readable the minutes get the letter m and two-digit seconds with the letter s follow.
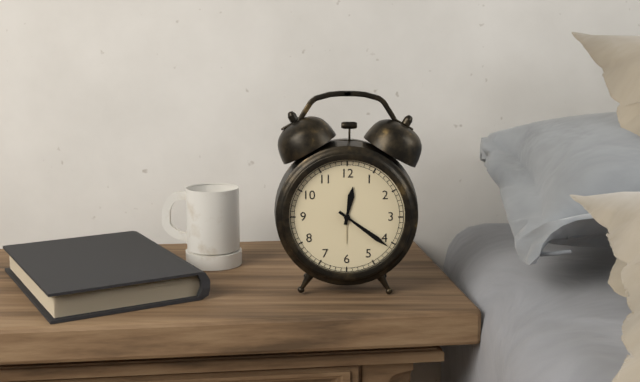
12h21
